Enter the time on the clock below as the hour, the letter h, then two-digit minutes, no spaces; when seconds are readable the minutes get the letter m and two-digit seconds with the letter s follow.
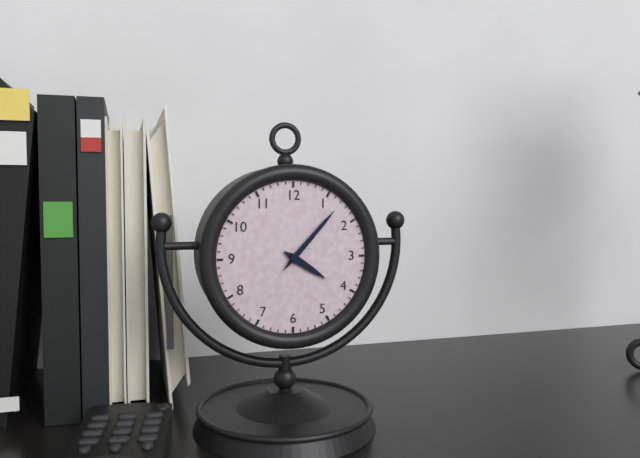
4h07
